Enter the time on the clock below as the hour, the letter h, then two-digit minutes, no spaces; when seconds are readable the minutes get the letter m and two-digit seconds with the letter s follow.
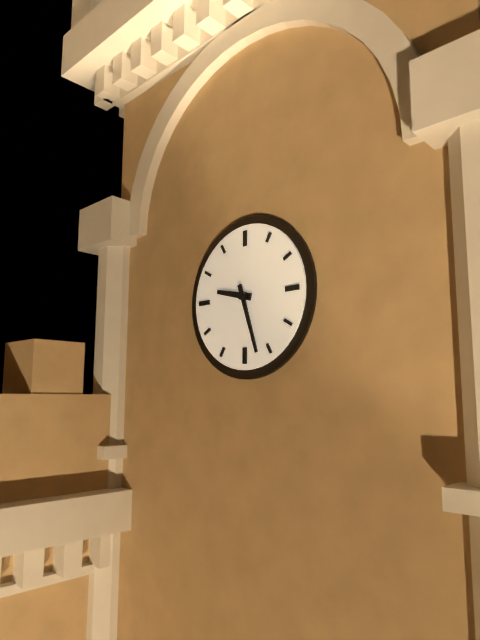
9h27
